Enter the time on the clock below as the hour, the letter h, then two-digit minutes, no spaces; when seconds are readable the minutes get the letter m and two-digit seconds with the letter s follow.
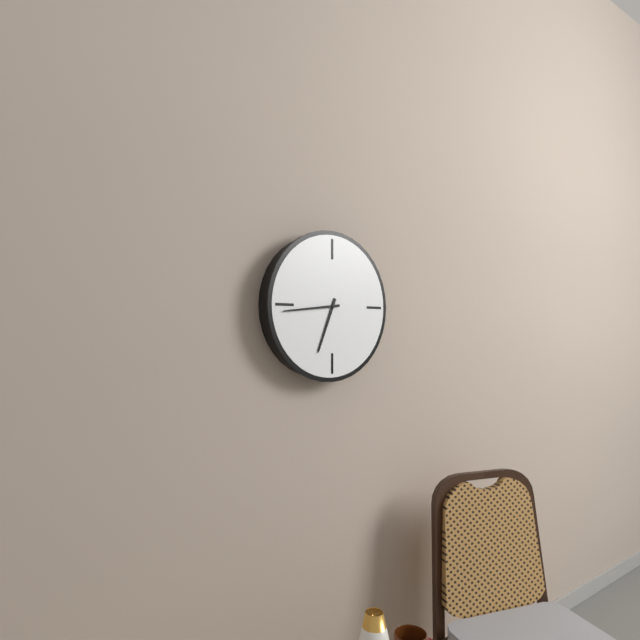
6h44
